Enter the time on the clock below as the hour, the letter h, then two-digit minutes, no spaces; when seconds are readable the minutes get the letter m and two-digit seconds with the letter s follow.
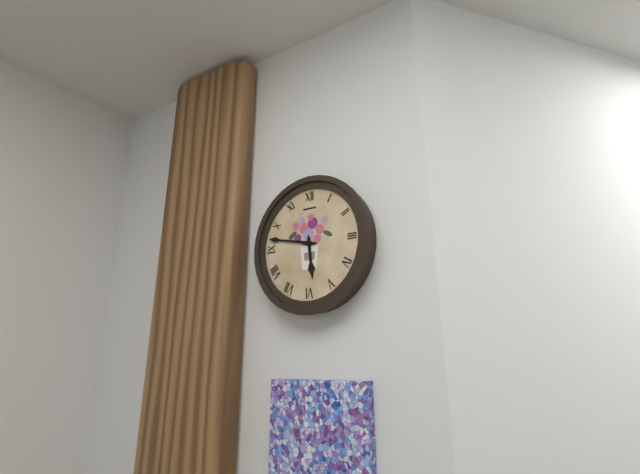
5h47
